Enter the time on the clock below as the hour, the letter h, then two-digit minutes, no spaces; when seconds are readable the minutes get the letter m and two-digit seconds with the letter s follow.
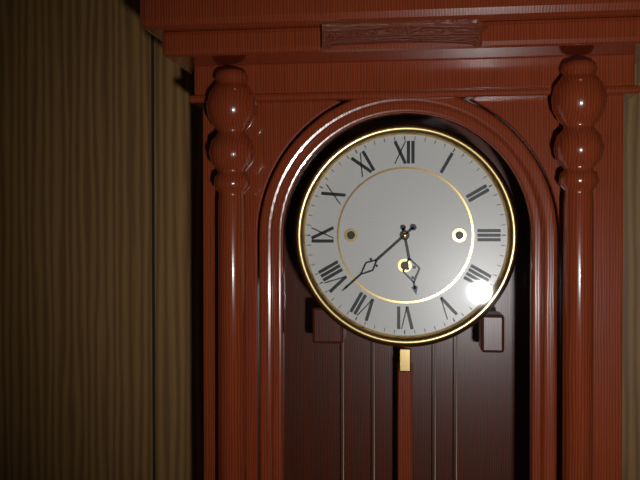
5h38
